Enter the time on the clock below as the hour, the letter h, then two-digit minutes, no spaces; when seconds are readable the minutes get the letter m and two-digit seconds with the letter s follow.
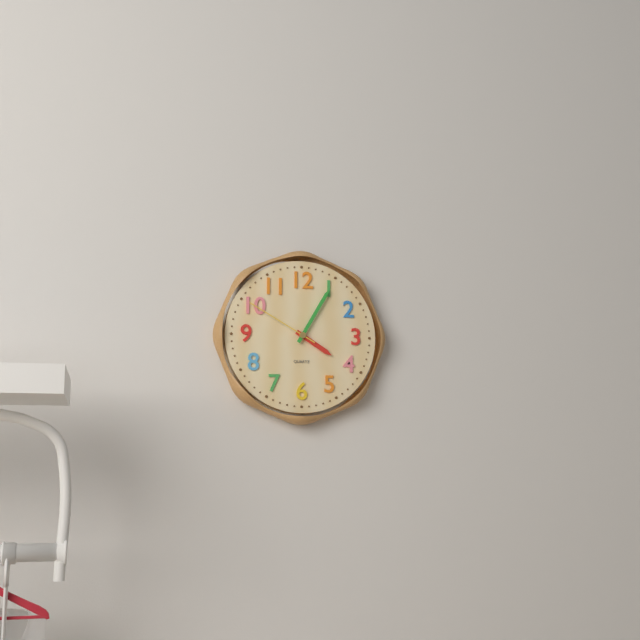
4h05m50s
